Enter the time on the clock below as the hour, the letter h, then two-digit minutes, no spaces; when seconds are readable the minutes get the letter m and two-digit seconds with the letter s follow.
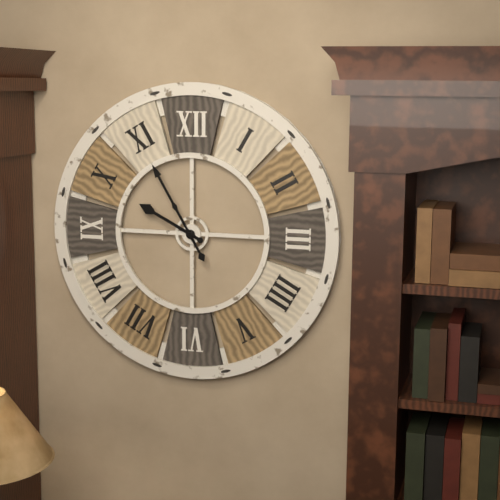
9h55
